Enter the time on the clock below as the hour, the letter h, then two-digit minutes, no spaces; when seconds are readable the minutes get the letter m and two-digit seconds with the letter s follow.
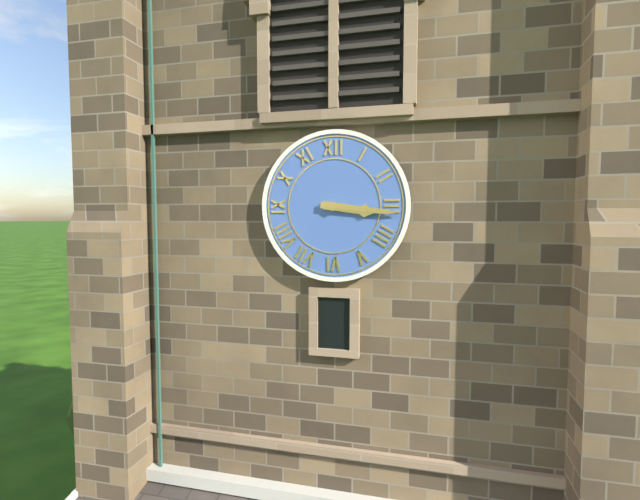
3h16
